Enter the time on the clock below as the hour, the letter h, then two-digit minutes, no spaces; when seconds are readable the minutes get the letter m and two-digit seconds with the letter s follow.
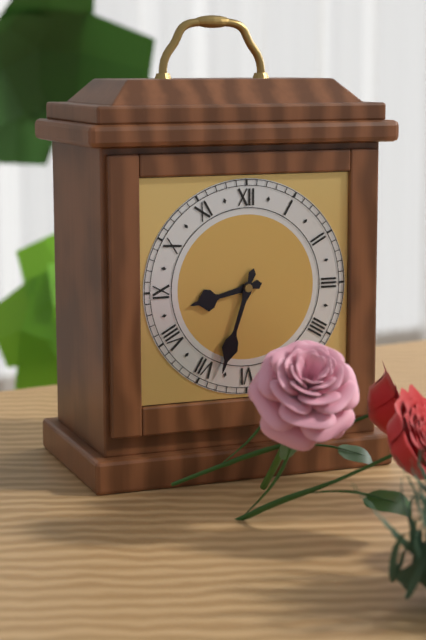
8h33
